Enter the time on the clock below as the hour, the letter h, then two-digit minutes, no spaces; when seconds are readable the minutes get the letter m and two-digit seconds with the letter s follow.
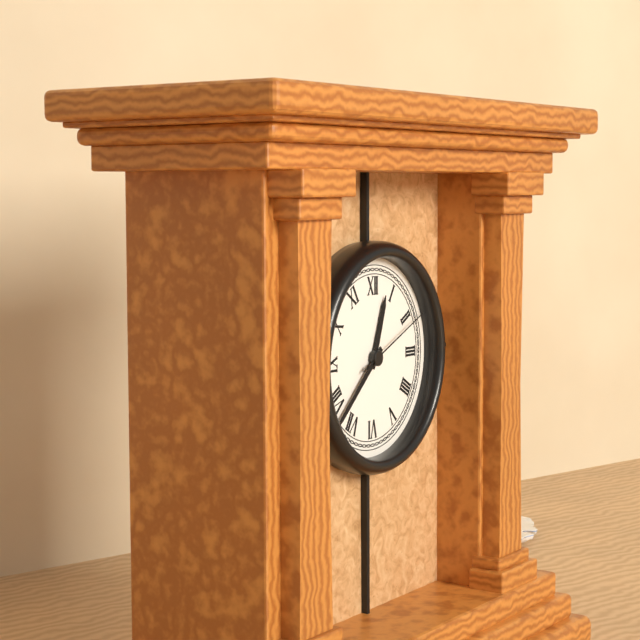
12h38m11s
